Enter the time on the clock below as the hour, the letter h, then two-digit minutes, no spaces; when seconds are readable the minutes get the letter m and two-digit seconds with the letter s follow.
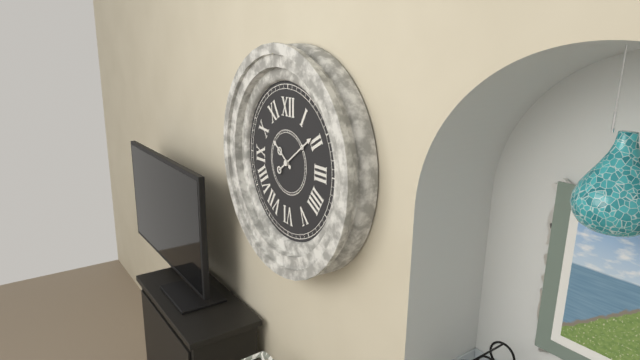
10h09
